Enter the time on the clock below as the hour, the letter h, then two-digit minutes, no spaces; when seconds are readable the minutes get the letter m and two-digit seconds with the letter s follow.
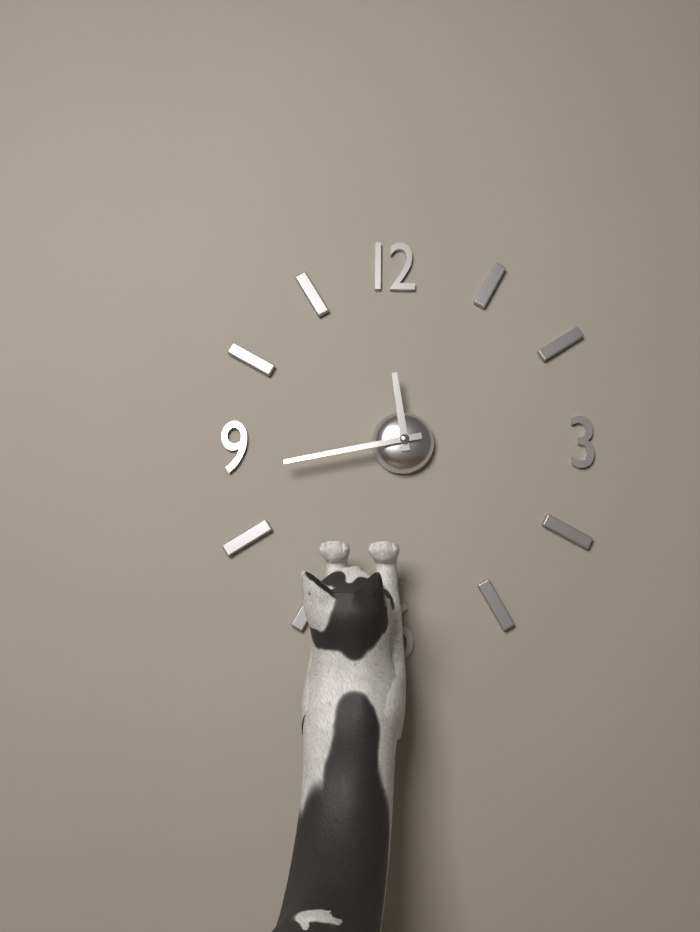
11h43
